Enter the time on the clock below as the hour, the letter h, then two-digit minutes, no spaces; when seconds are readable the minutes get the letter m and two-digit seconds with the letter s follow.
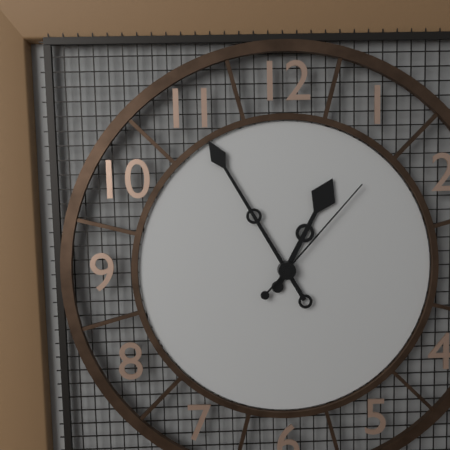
12h55m07s
